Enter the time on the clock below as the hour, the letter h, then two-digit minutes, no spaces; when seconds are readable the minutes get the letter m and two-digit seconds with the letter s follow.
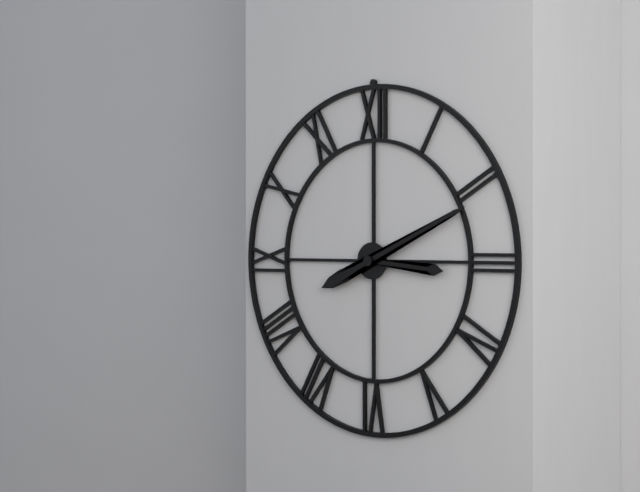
3h11
